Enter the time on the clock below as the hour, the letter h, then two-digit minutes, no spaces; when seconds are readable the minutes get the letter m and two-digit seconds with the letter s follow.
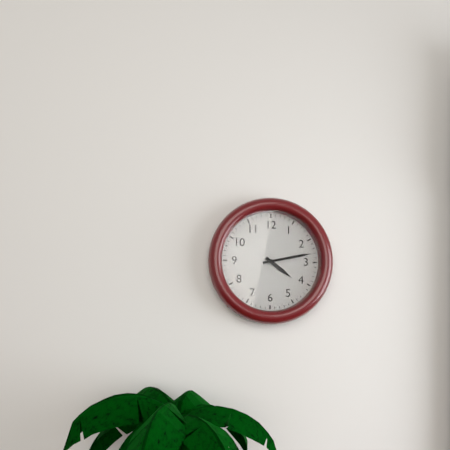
4h13
